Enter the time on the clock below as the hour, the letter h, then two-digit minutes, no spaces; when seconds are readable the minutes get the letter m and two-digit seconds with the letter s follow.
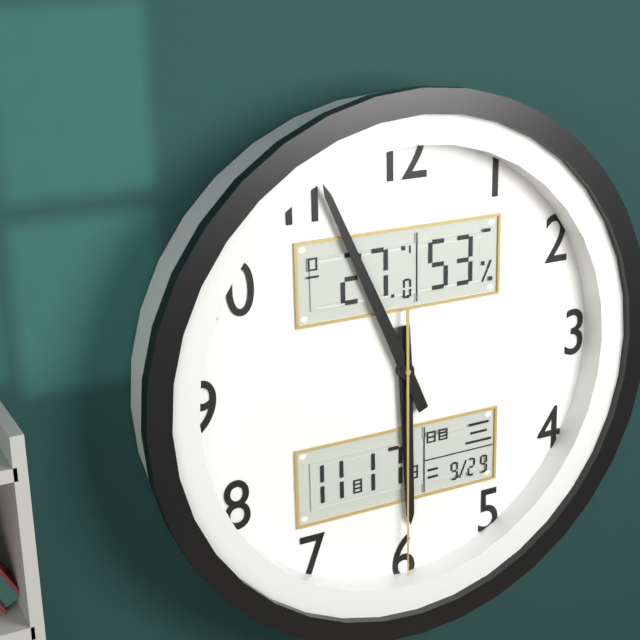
5h56m30s
